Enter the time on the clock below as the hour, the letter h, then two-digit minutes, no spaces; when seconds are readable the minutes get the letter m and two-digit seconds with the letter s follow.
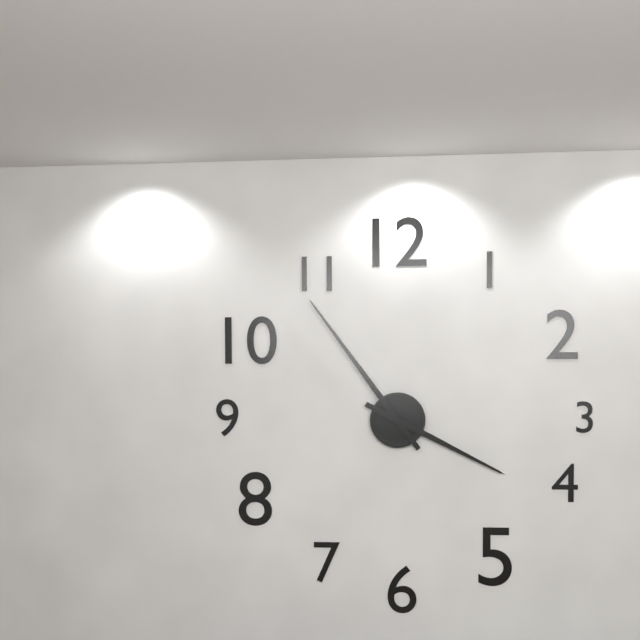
3h54
